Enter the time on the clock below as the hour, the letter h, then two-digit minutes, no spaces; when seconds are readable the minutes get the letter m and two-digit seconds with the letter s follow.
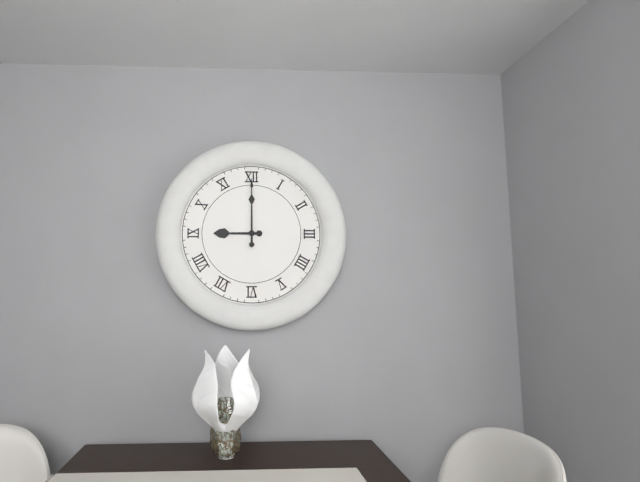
9h00
